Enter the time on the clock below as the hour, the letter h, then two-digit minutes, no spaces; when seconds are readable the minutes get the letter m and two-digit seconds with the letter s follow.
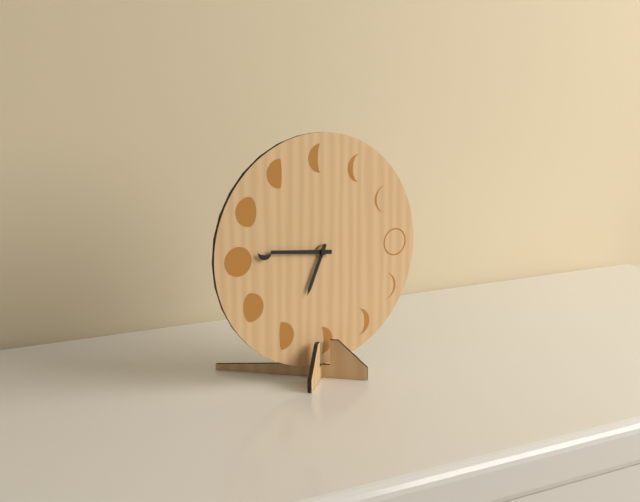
6h46
